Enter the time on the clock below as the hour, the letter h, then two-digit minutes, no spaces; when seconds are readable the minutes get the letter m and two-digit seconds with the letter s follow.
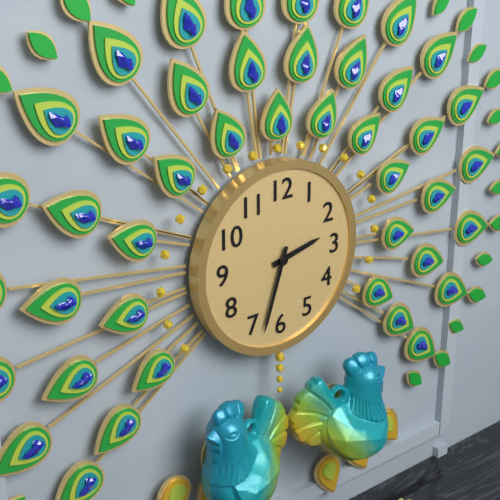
2h33
